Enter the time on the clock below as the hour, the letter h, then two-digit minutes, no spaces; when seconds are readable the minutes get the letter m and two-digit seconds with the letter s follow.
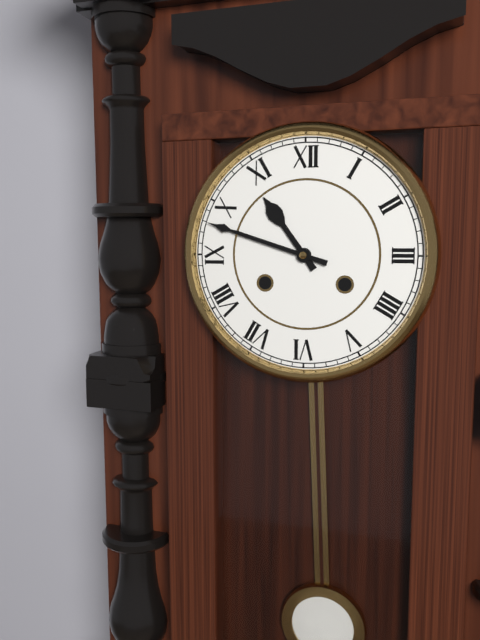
10h48
